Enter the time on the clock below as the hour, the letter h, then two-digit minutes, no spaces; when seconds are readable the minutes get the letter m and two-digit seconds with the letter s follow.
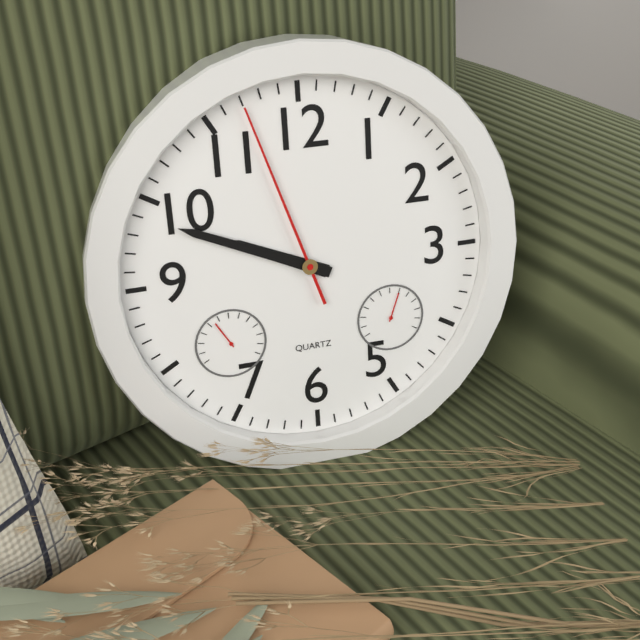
9h49m57s
